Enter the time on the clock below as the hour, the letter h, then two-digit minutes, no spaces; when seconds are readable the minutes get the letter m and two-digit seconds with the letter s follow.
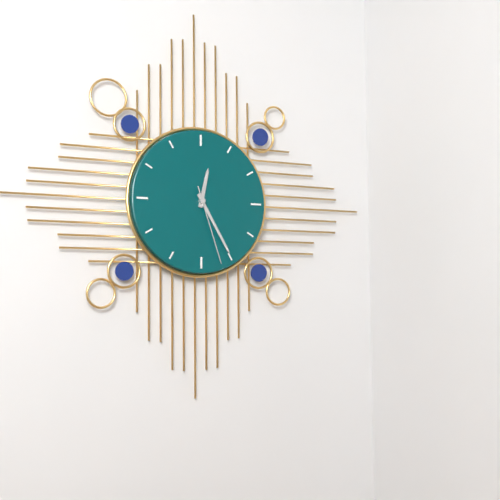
12h25m27s
